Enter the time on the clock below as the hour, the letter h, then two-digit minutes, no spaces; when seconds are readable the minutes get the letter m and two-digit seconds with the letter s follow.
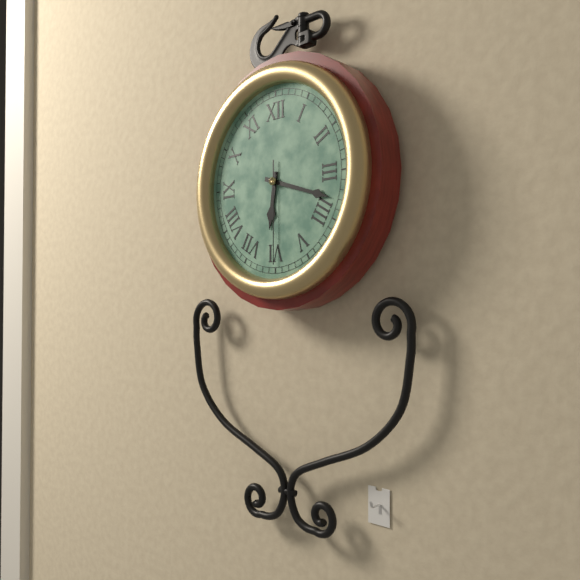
6h18m30s
